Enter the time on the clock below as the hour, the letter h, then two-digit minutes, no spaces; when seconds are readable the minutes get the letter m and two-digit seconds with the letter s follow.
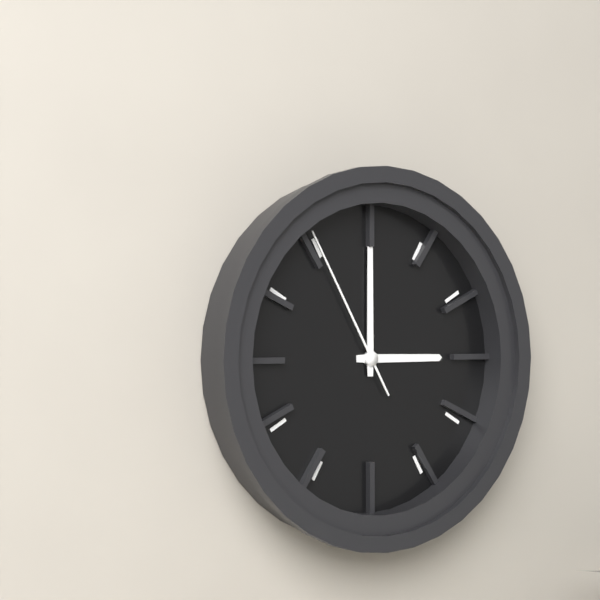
3h00m55s
